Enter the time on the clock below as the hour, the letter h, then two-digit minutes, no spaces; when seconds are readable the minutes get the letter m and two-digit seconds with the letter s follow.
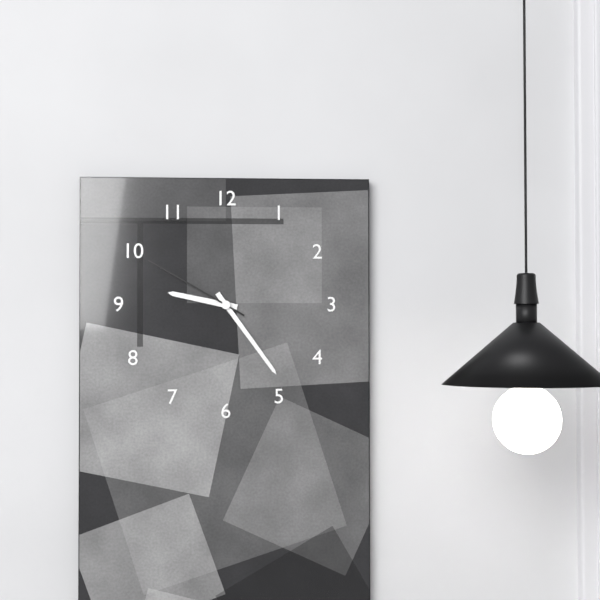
9h24m50s
